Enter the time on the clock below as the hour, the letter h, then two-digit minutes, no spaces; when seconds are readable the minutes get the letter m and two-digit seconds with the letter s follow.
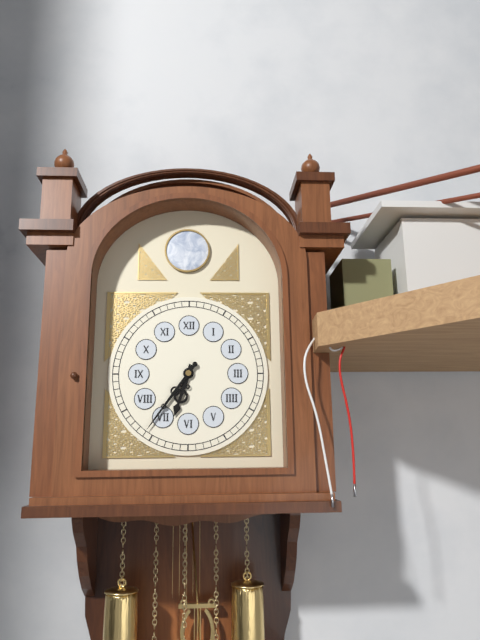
6h36
